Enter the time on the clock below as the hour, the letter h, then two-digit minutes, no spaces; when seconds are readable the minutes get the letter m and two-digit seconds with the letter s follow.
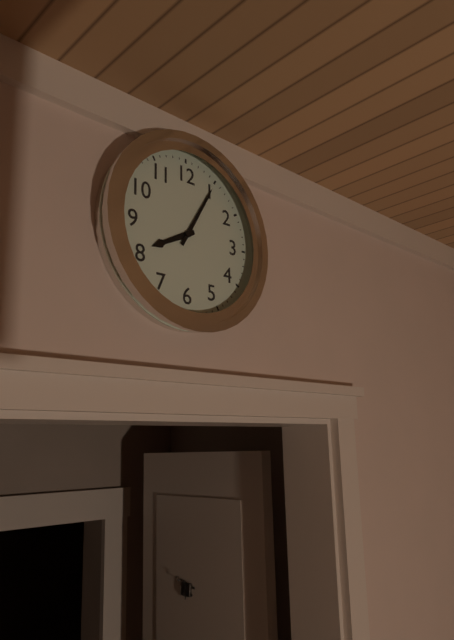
8h05
